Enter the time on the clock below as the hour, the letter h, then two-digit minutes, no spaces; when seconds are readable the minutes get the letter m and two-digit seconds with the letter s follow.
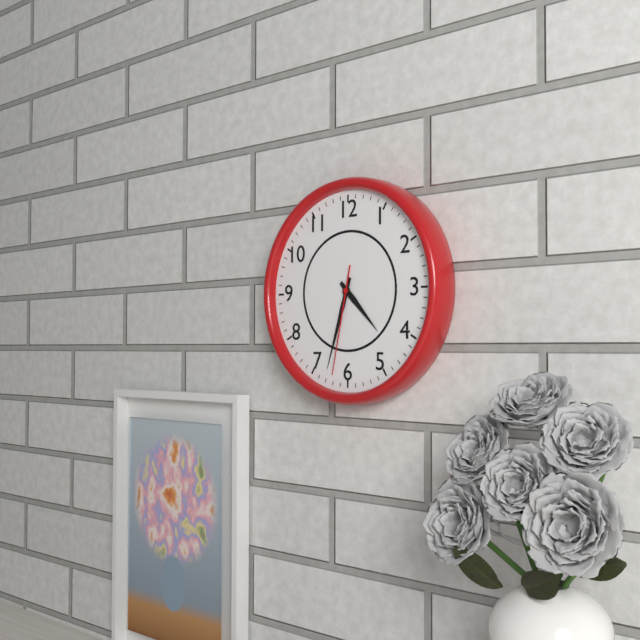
4h33m32s
